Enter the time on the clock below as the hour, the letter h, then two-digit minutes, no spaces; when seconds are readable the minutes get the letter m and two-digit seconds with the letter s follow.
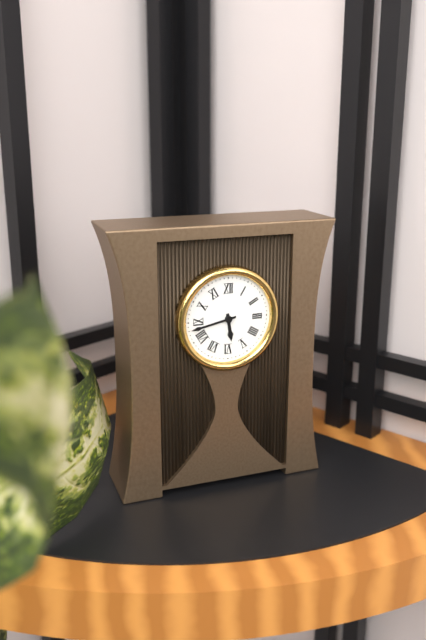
5h43
